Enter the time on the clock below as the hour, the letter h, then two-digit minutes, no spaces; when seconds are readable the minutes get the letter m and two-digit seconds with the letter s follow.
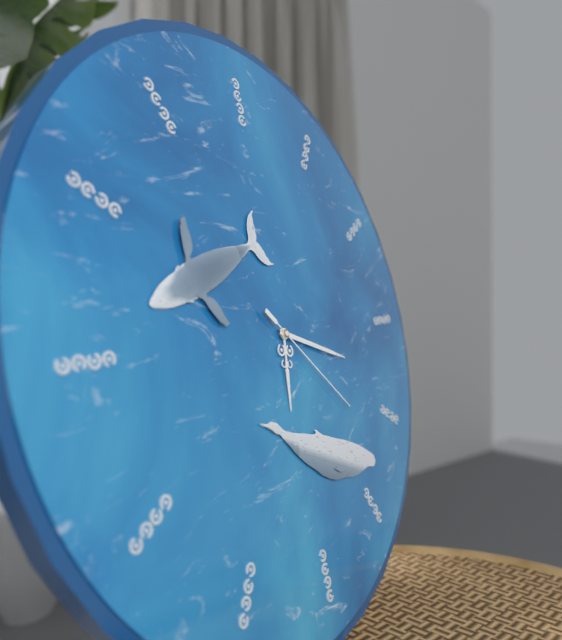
6h18m22s
